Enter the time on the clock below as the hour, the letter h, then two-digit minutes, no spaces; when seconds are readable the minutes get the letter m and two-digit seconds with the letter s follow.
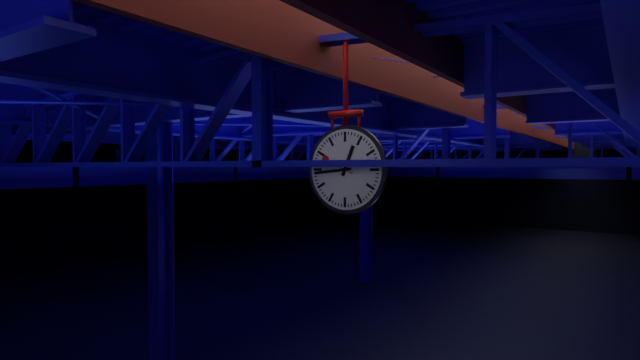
12h44
